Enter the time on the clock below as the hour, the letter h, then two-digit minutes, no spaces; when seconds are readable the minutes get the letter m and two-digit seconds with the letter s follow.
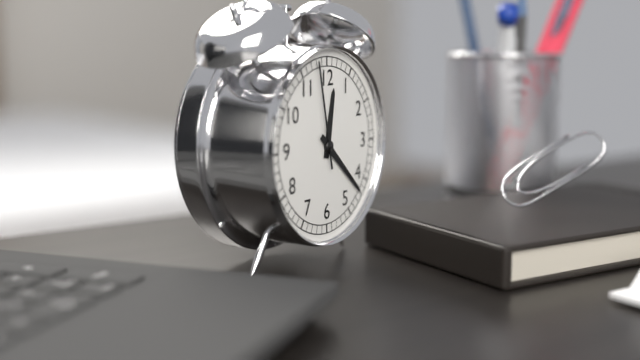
12h22m58s
